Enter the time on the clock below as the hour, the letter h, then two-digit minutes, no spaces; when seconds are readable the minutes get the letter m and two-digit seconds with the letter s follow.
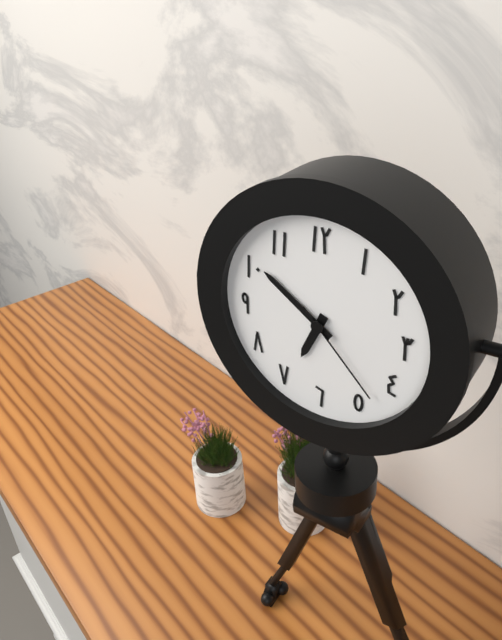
6h51m23s
